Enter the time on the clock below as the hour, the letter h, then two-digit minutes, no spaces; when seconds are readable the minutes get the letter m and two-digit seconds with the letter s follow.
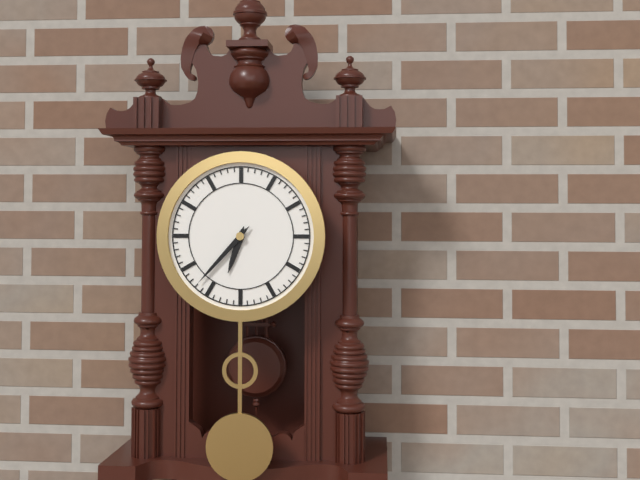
6h37
